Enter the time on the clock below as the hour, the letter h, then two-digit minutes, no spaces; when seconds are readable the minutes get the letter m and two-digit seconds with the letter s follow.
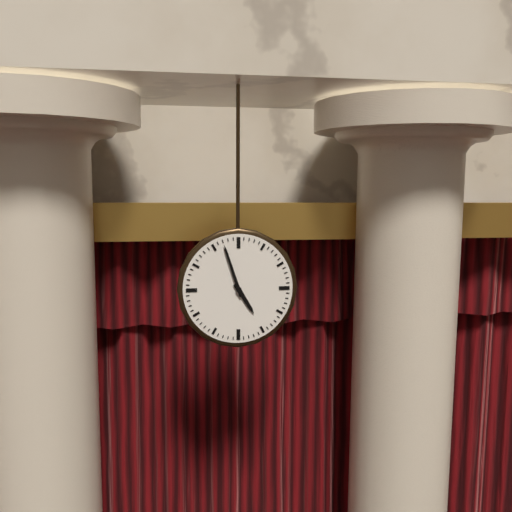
4h57
